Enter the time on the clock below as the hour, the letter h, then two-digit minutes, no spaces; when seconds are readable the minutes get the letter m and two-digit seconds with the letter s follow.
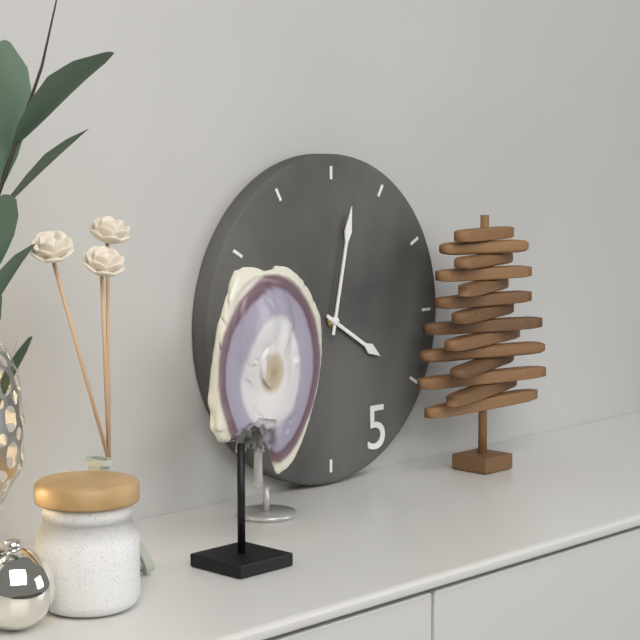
4h02
